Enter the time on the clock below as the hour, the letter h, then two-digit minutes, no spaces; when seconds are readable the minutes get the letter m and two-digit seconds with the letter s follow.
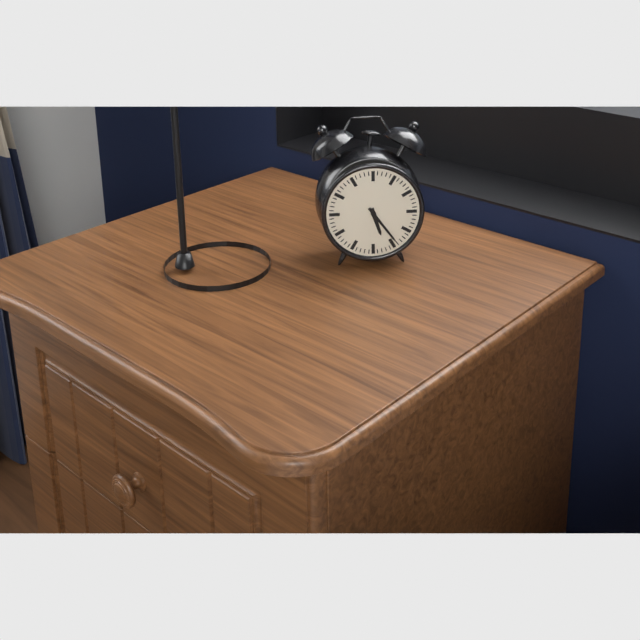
5h24
